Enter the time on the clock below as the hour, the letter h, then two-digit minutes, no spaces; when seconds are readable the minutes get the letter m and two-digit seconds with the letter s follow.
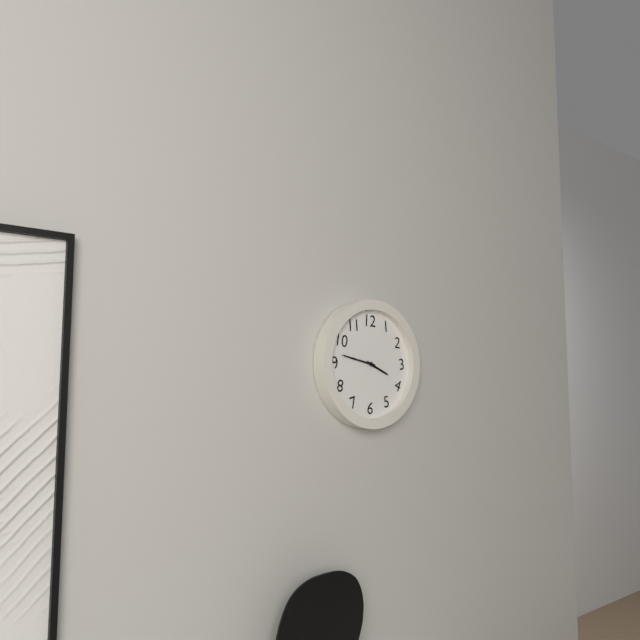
3h47
